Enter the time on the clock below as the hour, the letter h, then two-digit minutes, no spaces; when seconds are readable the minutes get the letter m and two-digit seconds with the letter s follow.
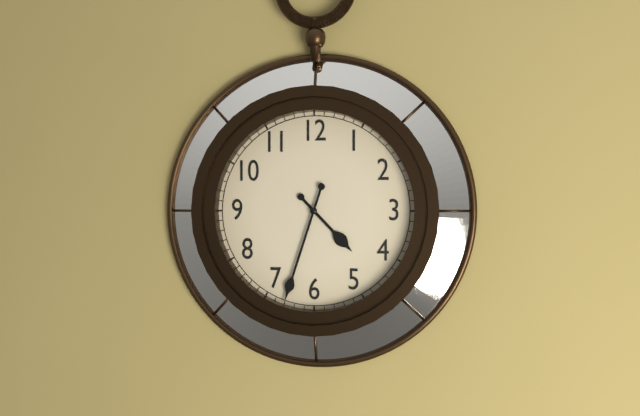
4h33
